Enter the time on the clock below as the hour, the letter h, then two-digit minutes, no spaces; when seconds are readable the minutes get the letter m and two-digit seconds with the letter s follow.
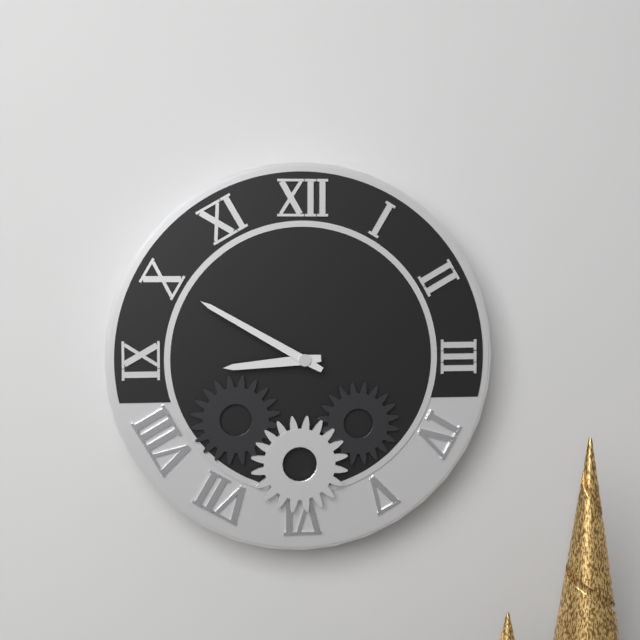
8h50
